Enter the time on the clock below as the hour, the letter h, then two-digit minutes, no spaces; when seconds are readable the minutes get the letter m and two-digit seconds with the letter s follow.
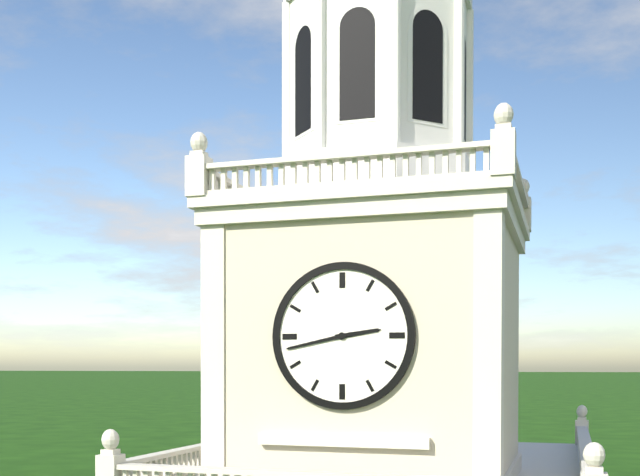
2h43
